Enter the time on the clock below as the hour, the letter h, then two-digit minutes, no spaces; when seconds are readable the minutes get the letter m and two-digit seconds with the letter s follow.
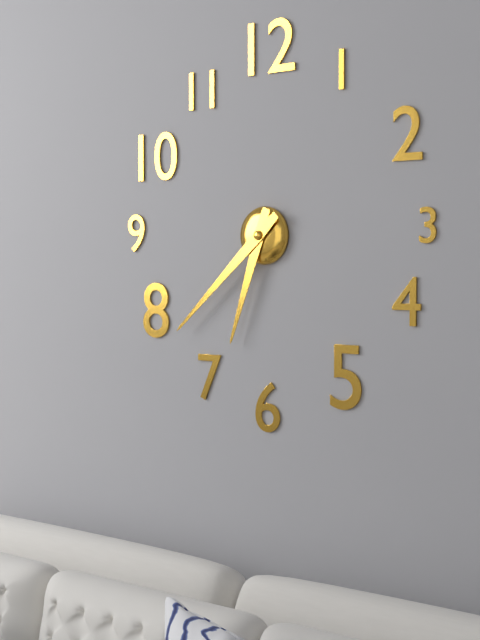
6h38
